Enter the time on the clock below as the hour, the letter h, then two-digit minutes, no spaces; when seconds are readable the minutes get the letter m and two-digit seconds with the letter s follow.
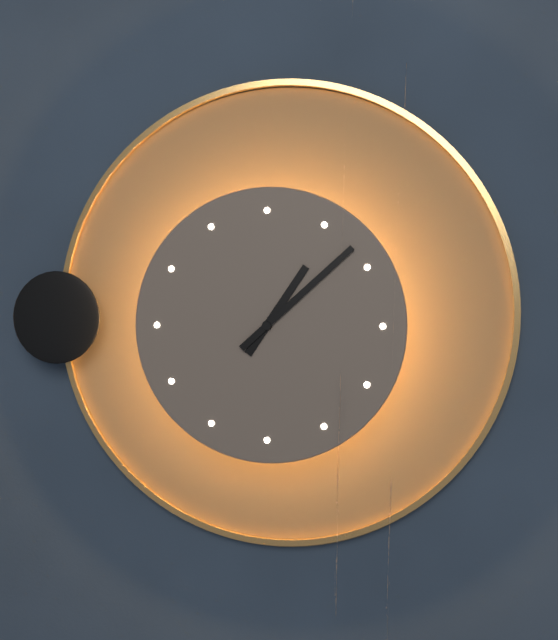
1h08
